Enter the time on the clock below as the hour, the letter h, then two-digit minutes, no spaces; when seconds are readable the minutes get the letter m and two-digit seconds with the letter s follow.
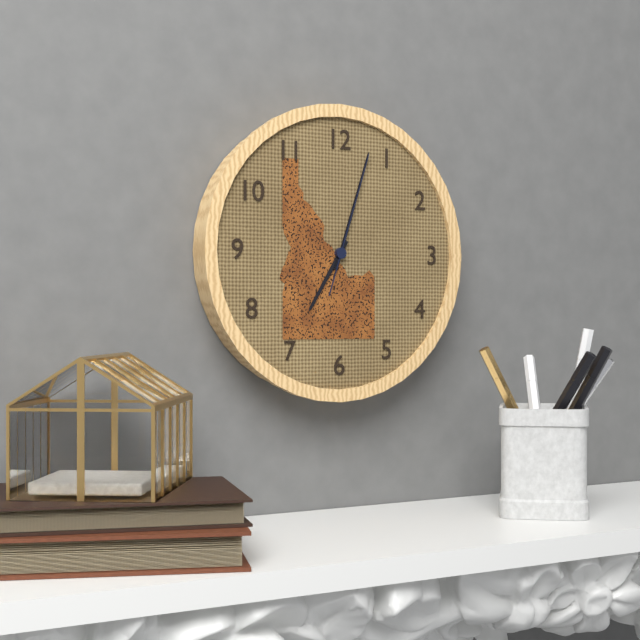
7h03m03s
